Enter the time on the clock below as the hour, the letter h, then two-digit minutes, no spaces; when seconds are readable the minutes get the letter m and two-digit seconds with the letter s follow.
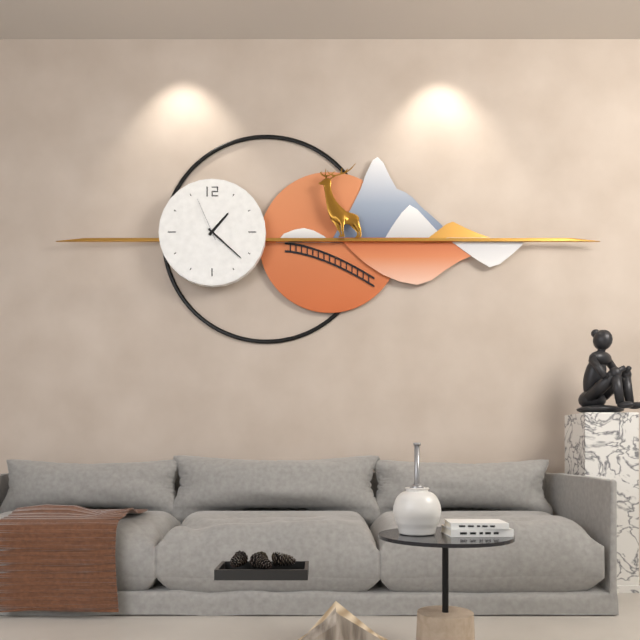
1h22
